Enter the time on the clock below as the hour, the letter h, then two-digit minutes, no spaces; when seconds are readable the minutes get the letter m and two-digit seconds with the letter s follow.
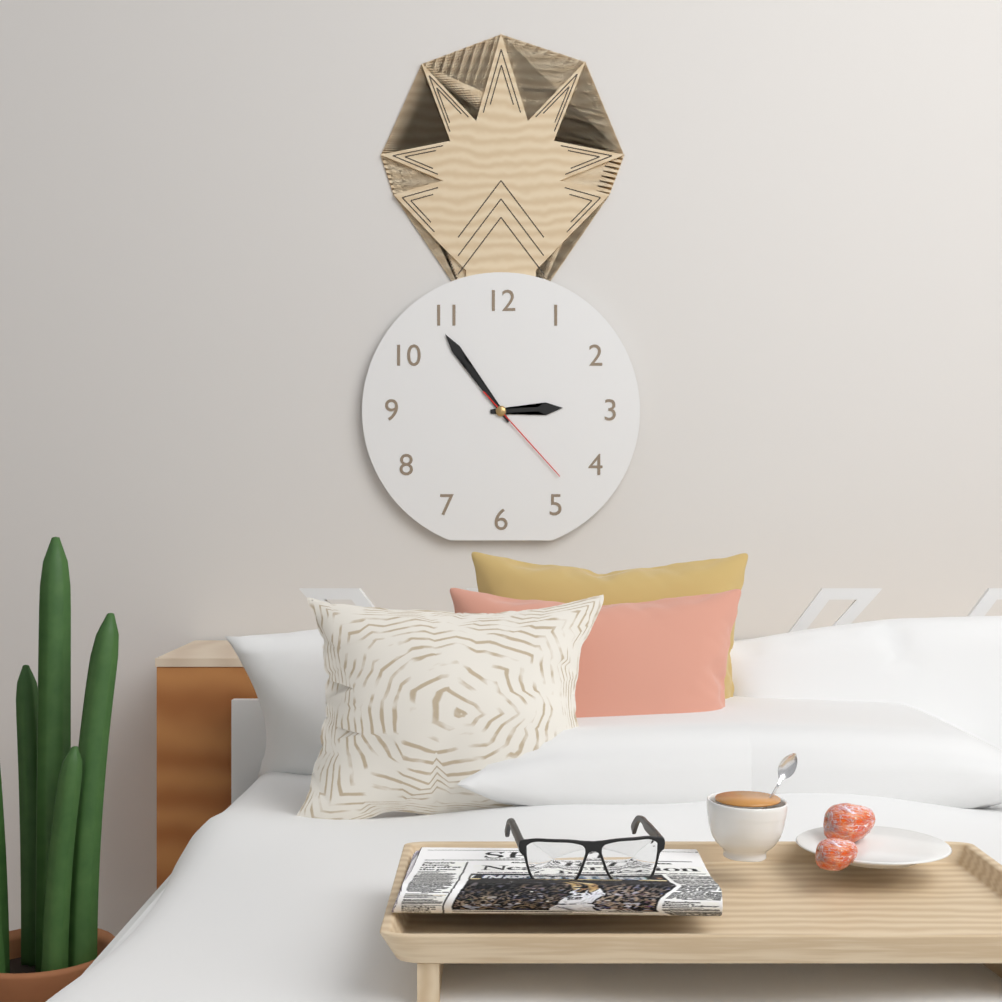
2h54m23s
